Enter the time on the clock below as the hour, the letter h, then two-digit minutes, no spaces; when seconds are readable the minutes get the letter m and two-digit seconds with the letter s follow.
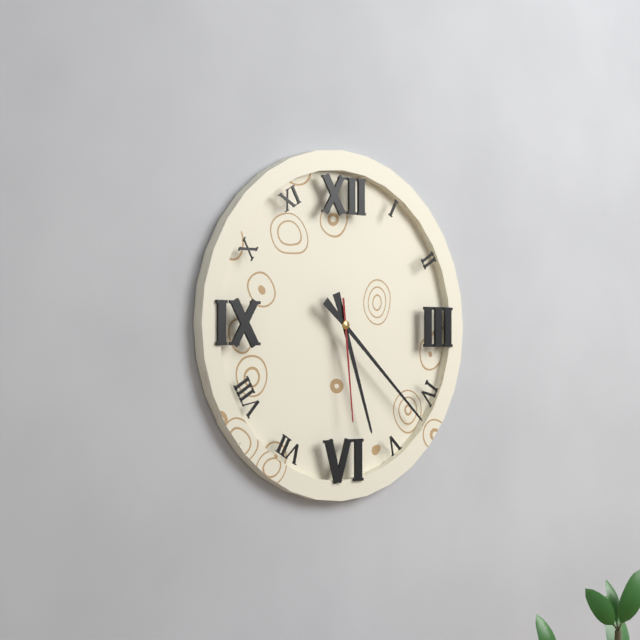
5h22m29s
